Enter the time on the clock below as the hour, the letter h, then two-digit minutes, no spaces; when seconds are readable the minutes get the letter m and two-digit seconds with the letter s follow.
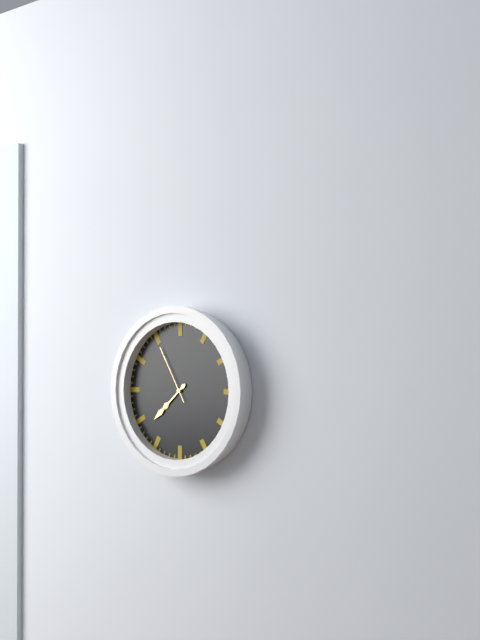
7h38m55s
